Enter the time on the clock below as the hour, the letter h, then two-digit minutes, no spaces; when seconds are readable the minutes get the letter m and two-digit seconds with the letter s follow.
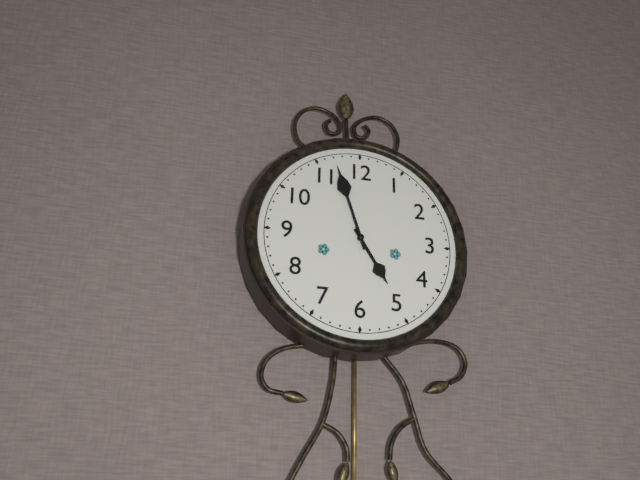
4h57
